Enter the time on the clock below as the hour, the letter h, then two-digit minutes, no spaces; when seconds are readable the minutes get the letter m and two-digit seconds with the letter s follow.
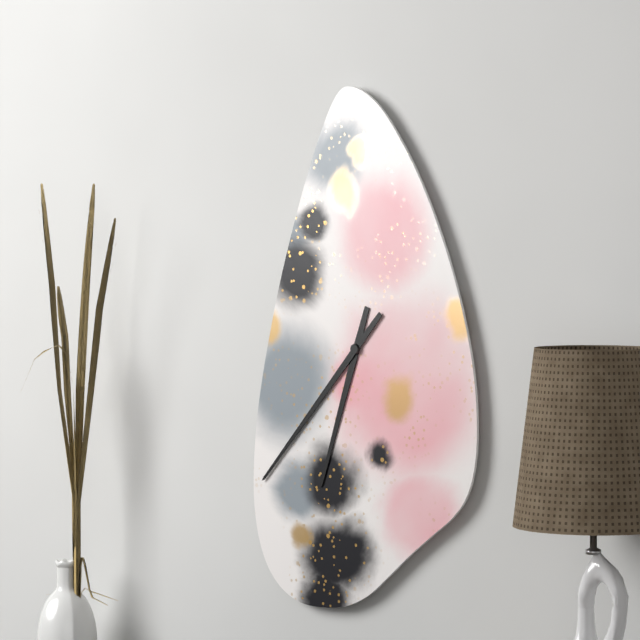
6h37
